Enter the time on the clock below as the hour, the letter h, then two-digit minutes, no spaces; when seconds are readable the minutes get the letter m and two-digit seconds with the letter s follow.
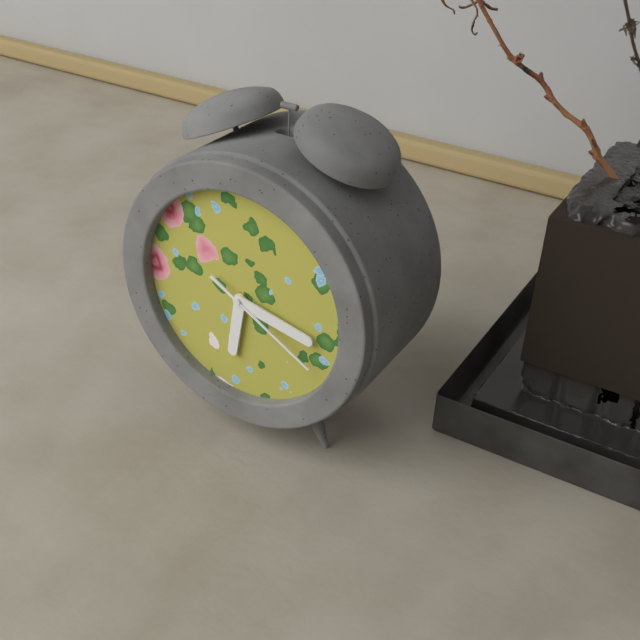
6h17m20s
